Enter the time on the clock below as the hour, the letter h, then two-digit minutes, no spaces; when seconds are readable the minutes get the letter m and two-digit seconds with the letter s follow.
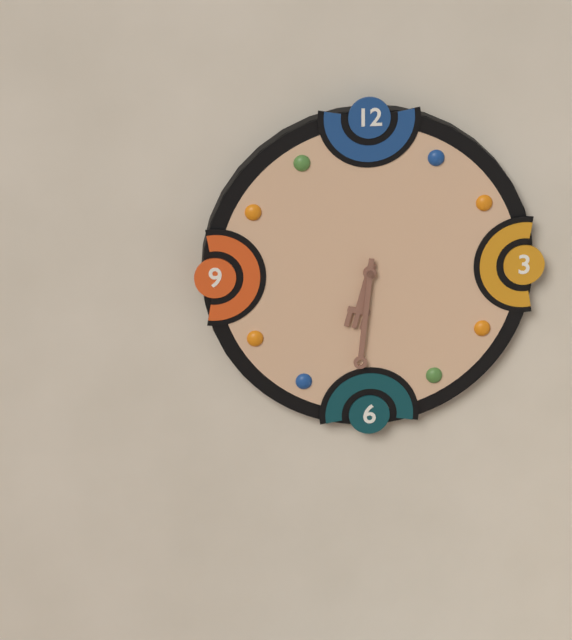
6h31
